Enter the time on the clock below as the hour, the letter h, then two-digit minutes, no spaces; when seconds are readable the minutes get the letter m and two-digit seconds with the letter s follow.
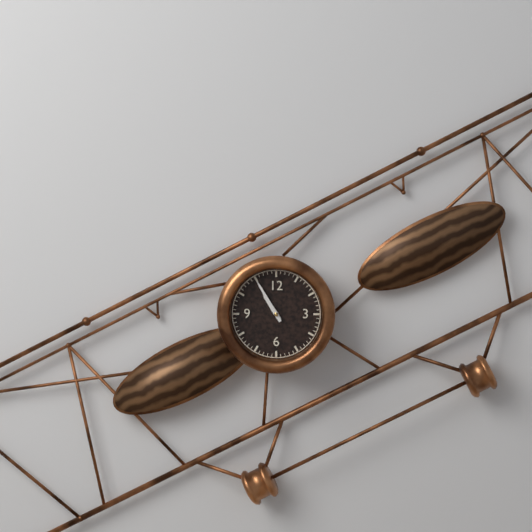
10h55
